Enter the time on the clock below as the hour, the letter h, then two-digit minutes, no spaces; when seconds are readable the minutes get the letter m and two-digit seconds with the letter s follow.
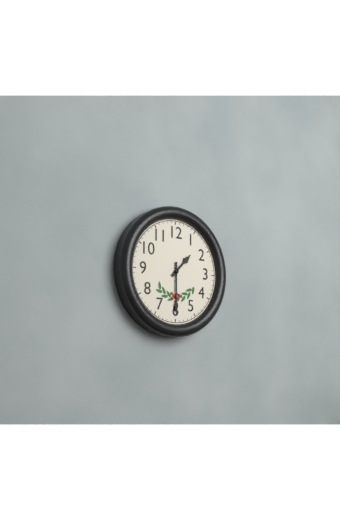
1h30
